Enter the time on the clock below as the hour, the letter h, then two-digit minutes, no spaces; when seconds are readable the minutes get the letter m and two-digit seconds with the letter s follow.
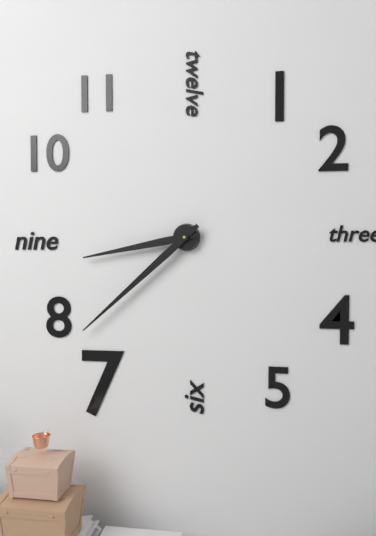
8h38
